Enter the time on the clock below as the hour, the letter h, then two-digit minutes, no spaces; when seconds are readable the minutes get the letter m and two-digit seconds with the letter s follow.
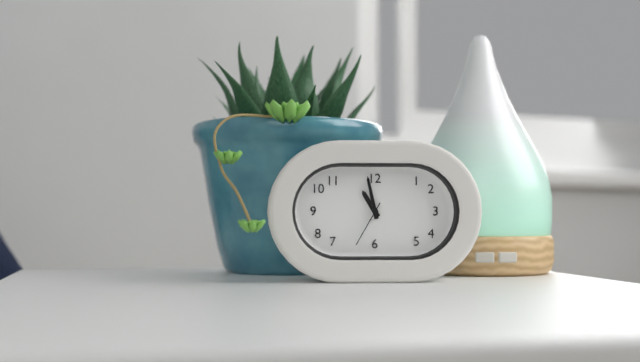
10h58
